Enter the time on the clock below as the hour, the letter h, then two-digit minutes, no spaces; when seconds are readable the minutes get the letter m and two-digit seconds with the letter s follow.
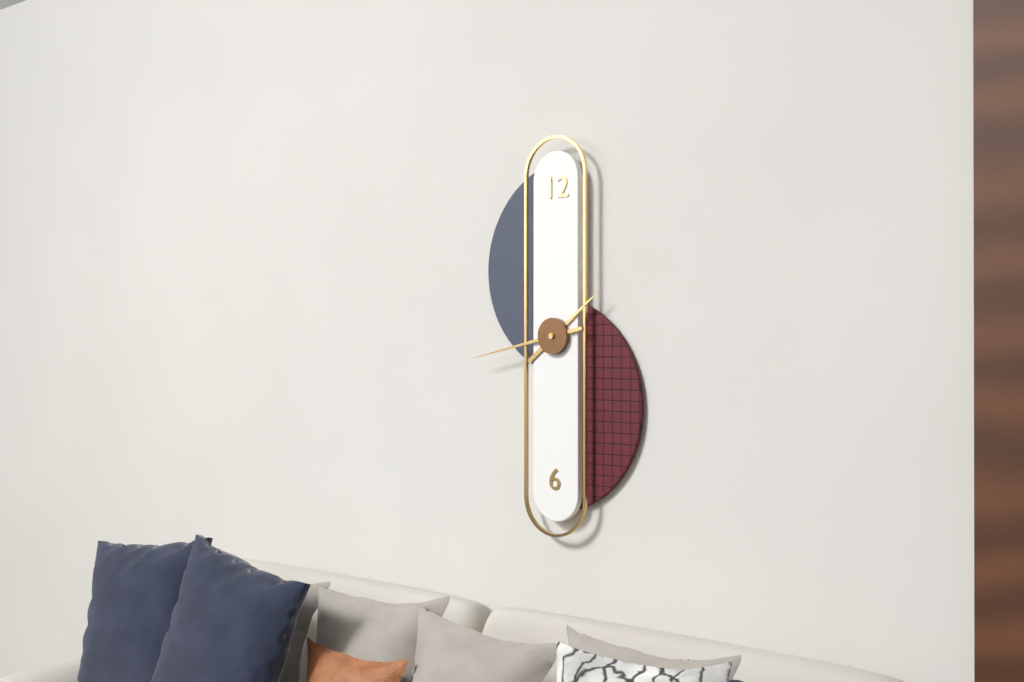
1h43
